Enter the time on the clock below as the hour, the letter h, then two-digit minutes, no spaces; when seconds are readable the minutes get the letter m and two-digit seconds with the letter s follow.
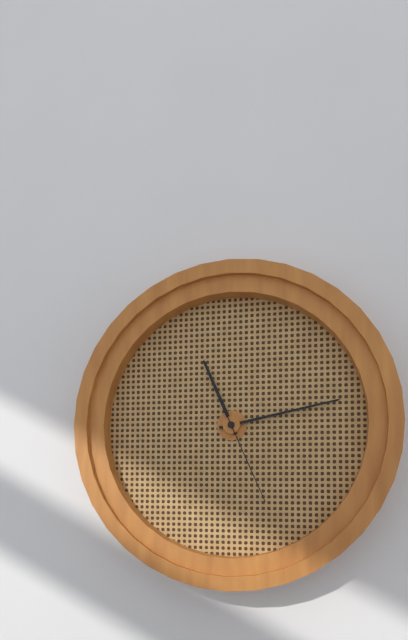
11h13m26s
